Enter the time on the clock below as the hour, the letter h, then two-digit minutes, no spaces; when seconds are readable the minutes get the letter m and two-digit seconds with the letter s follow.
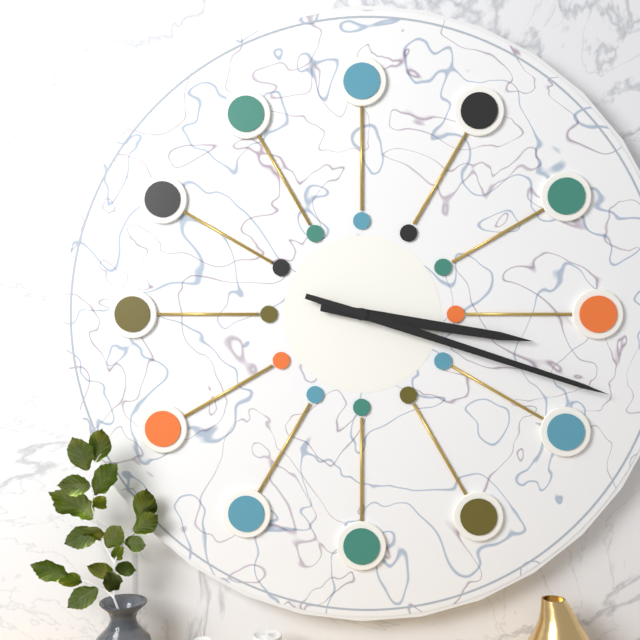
3h18
